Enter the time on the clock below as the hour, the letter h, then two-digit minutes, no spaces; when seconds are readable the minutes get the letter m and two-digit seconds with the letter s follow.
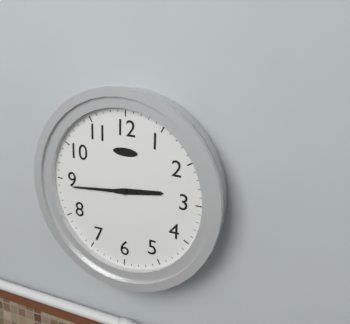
2h44
